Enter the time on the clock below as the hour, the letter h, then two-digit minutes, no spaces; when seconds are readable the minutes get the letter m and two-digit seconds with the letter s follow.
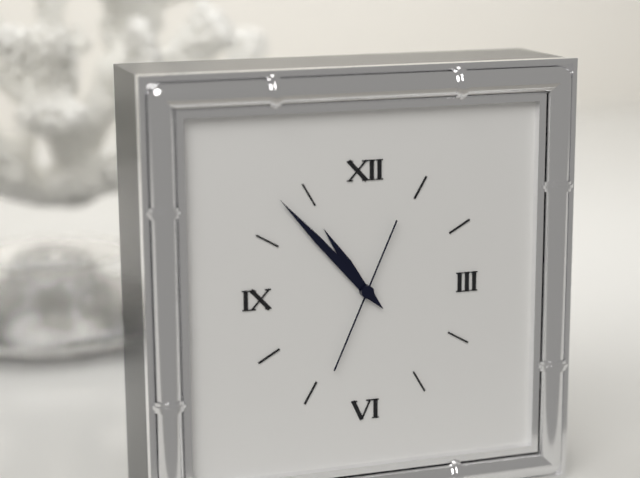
10h53m34s
